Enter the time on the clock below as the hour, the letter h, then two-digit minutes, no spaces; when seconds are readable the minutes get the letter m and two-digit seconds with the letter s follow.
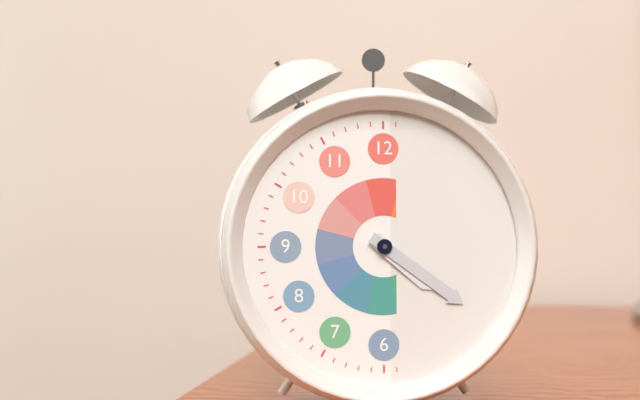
4h21
